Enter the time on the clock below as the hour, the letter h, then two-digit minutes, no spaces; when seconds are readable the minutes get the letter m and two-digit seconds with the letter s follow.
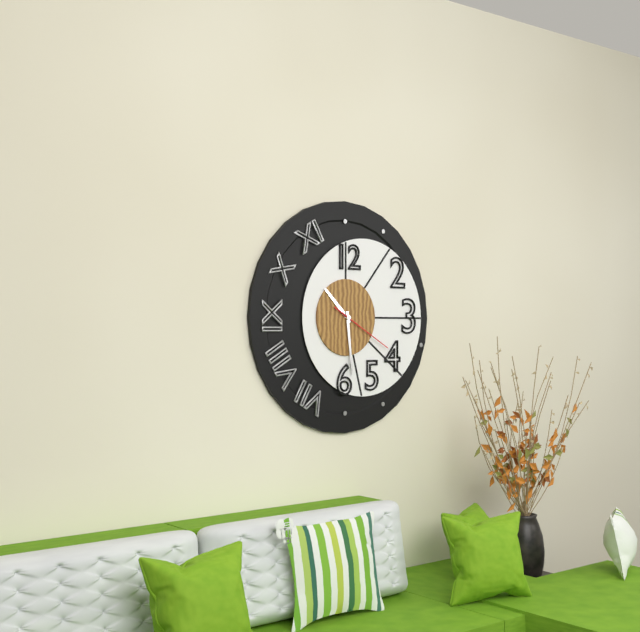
10h29m20s
